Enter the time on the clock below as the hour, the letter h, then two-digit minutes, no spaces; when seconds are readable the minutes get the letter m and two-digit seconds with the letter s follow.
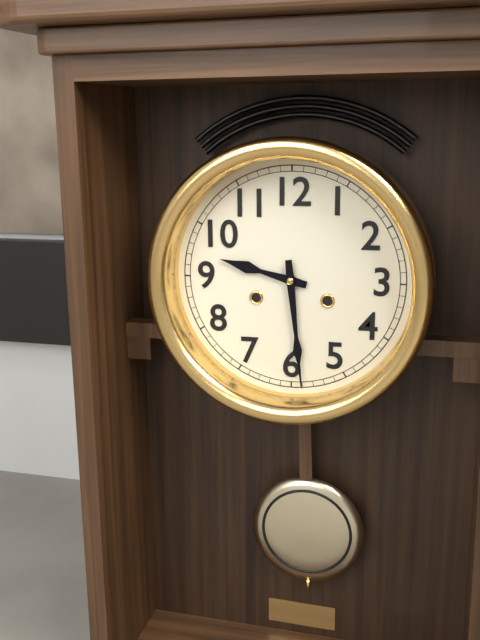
9h29
